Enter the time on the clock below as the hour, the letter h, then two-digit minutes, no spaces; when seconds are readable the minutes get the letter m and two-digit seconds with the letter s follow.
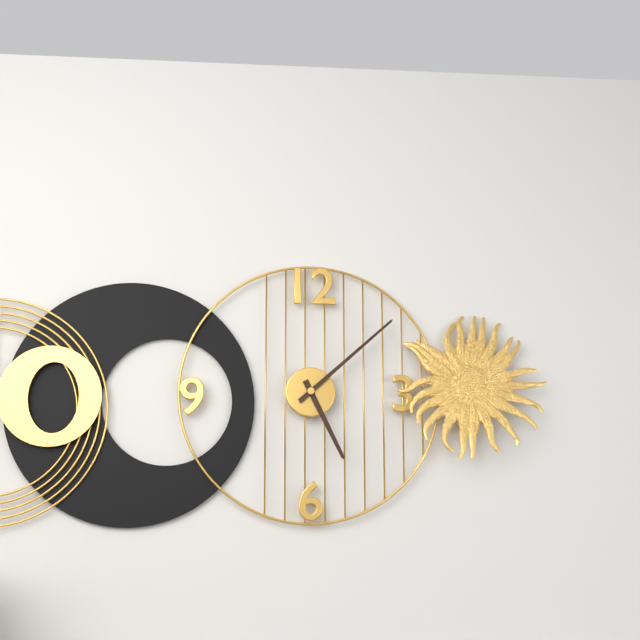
5h08
